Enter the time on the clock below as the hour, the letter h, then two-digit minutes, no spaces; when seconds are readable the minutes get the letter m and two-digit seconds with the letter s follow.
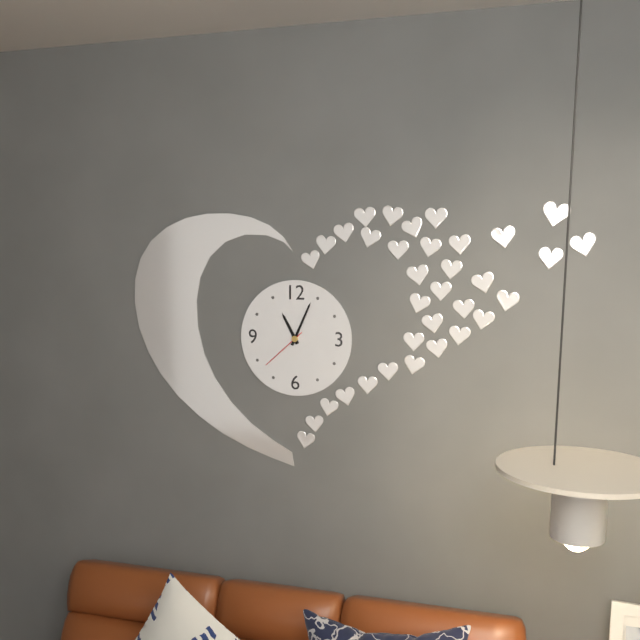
11h04m38s
